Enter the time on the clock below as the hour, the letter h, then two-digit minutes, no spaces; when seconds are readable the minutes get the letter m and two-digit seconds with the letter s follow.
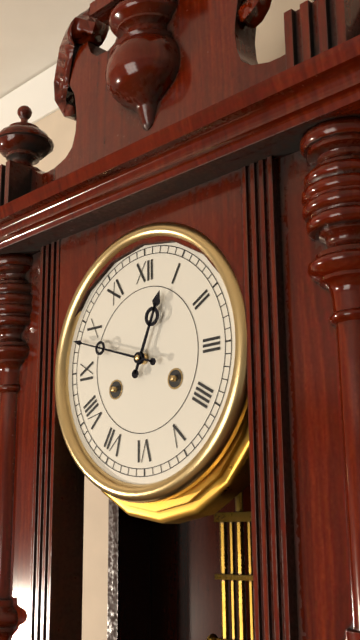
12h48
